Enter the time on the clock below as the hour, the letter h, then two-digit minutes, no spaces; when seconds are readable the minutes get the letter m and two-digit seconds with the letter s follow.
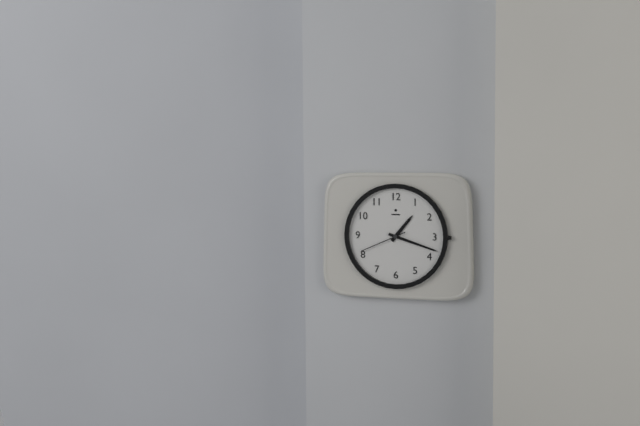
1h18
